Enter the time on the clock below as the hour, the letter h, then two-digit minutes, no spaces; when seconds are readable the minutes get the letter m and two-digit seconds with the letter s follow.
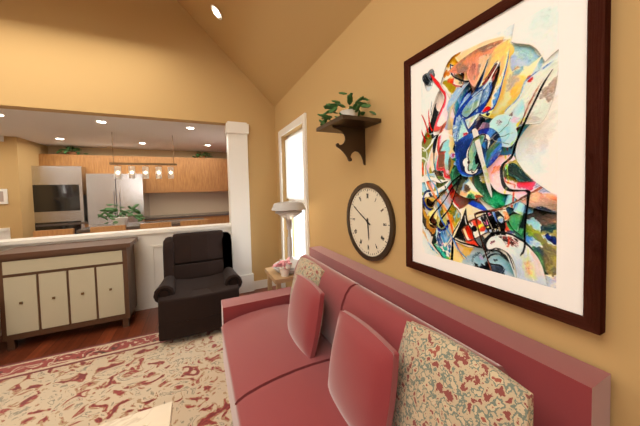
5h50
